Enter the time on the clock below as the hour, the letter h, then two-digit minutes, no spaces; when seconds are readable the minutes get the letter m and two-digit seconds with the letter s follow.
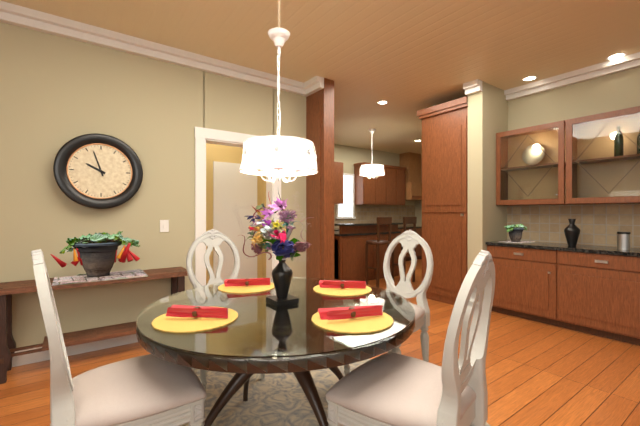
9h57
